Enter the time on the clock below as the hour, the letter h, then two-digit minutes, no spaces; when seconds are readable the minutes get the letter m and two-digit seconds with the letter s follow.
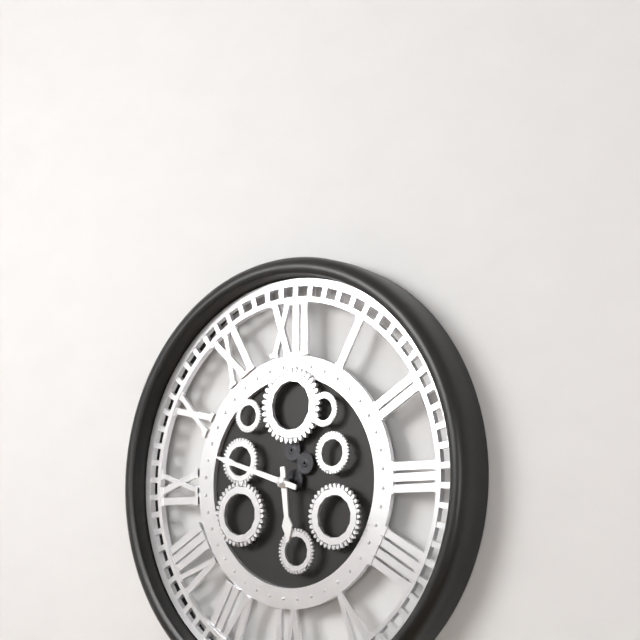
5h48
